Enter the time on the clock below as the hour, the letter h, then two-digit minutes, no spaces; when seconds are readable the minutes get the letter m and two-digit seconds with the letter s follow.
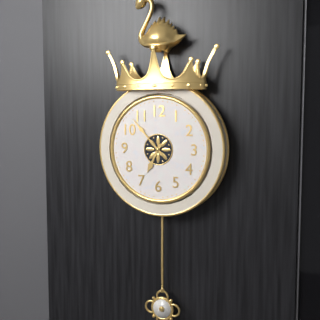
6h53
